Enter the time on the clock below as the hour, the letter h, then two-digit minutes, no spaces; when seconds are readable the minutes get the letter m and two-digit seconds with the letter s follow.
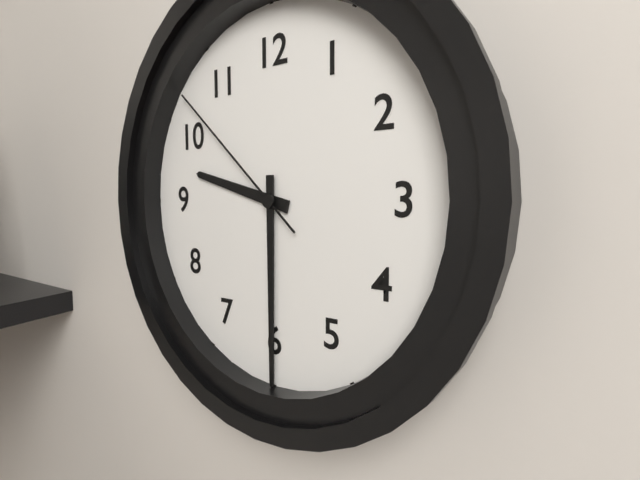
9h30m52s
